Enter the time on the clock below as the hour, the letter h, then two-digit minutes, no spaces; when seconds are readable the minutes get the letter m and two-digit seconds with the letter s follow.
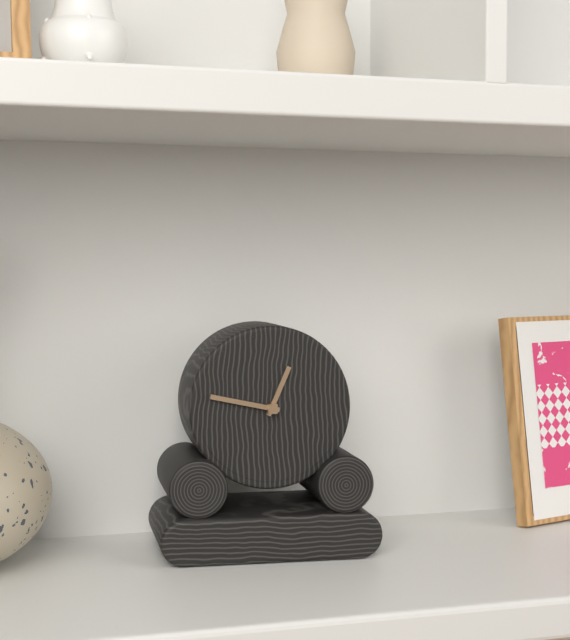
12h47
